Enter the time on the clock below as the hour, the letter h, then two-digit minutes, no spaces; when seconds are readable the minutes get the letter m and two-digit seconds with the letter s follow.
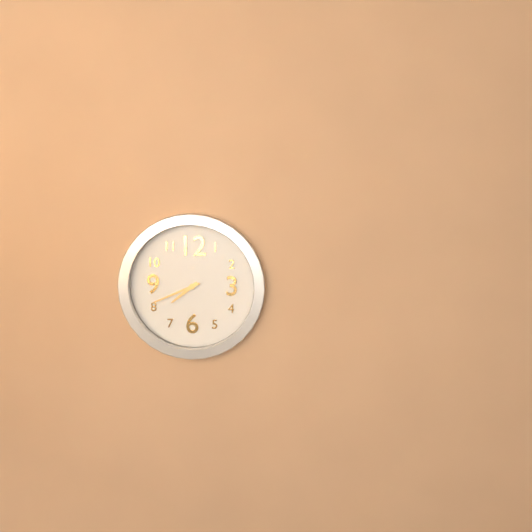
7h41
